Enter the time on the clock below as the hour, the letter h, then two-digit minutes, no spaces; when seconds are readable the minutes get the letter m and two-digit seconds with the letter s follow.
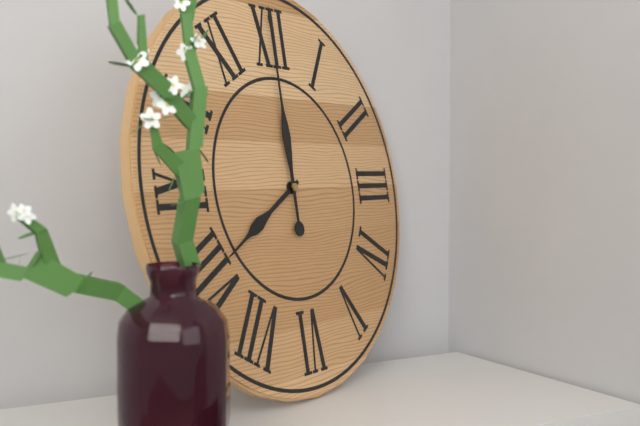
8h00
